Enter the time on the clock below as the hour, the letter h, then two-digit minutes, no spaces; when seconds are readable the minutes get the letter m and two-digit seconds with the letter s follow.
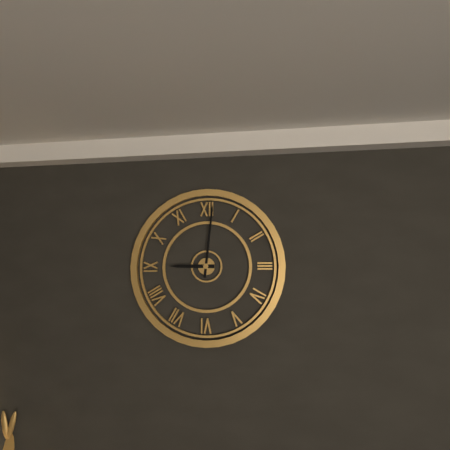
9h01
